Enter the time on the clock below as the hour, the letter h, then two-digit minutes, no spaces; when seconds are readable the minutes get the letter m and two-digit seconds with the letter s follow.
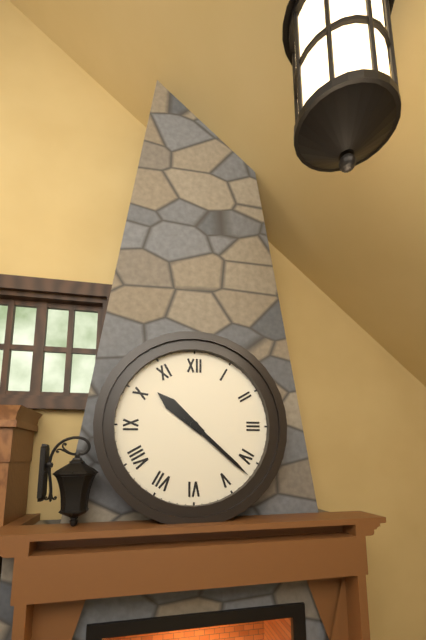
10h22
